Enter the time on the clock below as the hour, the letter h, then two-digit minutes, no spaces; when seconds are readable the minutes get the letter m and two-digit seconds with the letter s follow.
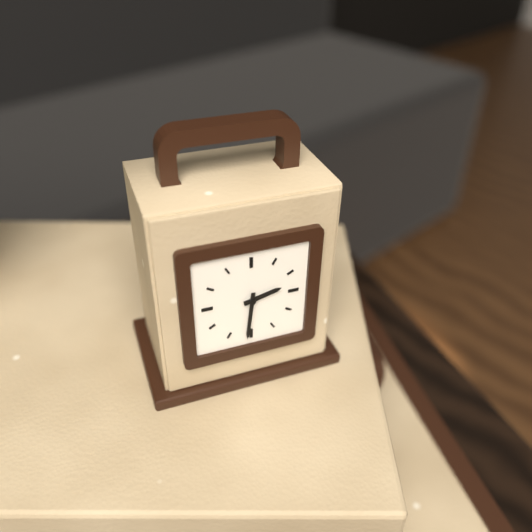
2h31
